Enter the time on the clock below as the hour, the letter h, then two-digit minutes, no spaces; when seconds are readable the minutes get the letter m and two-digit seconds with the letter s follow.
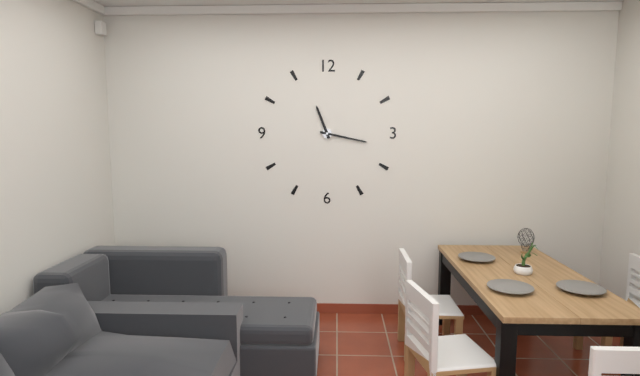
11h17
